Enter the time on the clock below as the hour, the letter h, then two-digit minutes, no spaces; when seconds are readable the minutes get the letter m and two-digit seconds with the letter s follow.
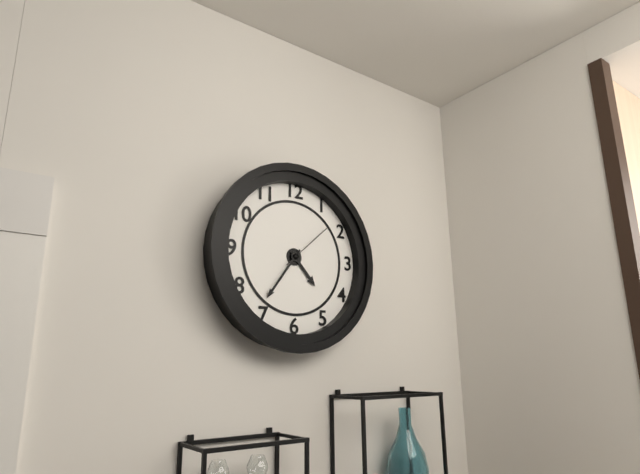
4h36m08s
